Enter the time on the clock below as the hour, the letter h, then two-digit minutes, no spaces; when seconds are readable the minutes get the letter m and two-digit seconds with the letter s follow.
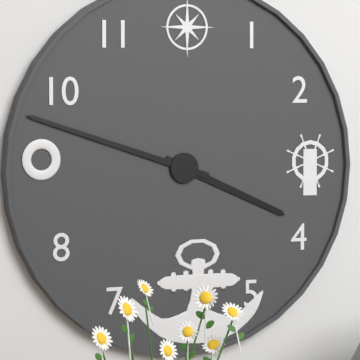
3h48
